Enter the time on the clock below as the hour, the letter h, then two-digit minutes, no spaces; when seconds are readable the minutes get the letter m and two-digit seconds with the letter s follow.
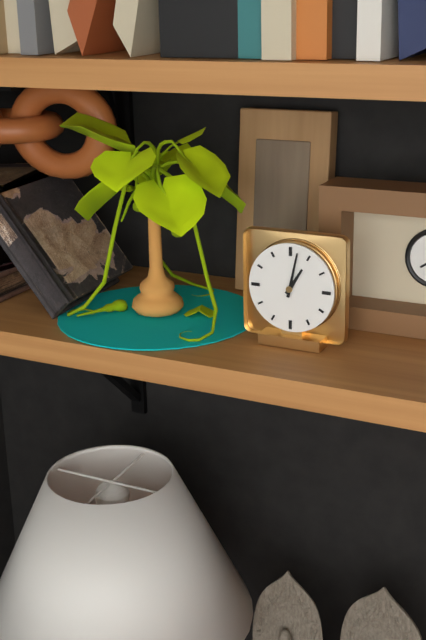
1h02
